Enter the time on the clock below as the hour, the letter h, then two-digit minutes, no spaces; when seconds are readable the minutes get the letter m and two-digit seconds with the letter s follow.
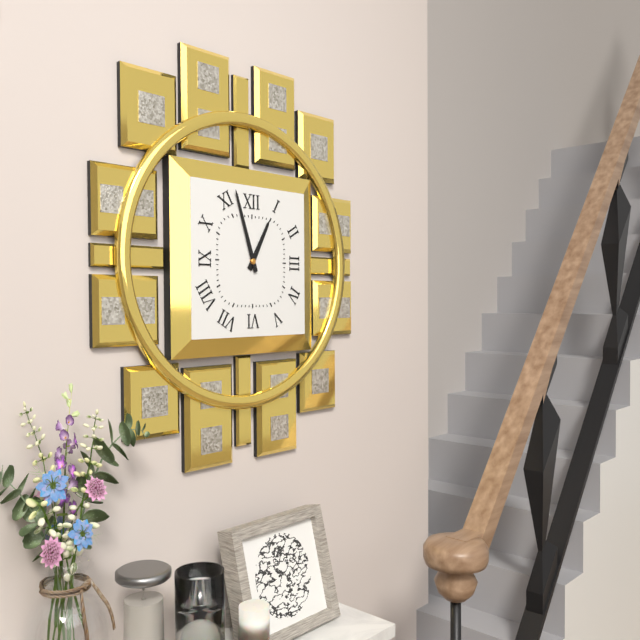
12h57
